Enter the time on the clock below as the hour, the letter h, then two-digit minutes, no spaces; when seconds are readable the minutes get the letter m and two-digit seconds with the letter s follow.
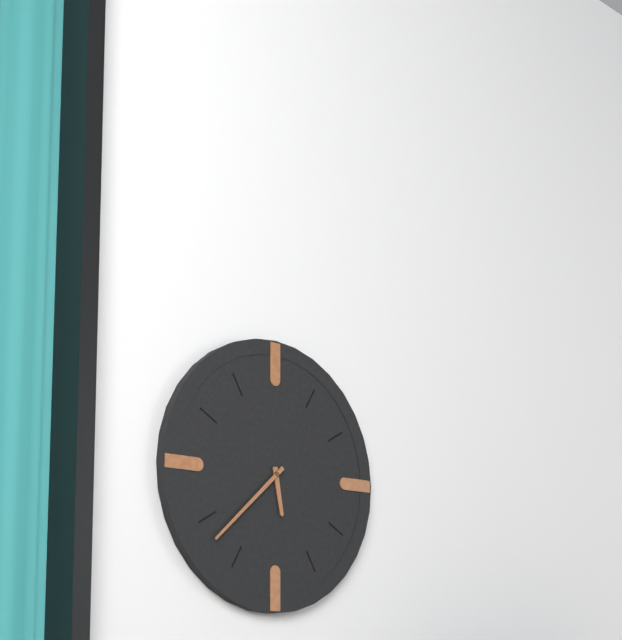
5h38
